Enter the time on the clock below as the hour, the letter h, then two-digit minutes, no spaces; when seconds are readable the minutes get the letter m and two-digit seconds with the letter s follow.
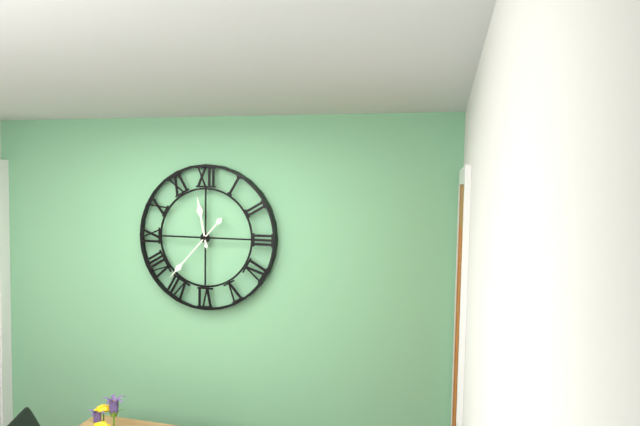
11h37
